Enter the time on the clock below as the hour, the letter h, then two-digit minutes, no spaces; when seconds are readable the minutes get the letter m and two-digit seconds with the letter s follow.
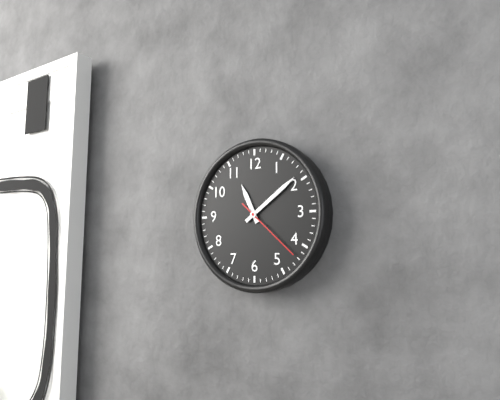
11h09m22s
